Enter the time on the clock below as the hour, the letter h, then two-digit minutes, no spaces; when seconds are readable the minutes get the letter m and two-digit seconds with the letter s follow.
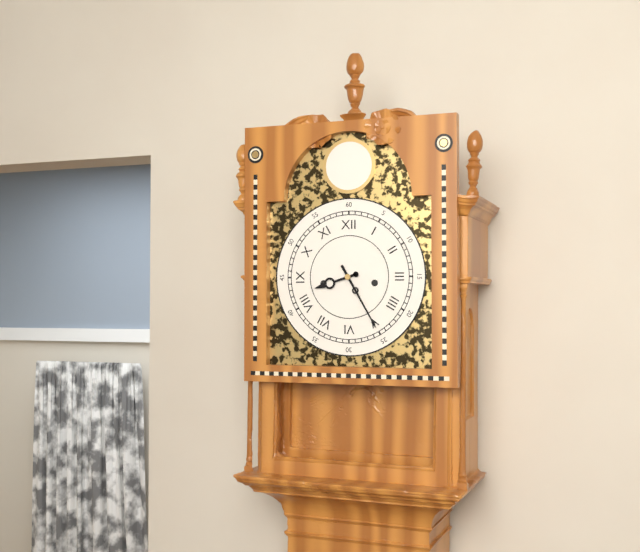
8h25
